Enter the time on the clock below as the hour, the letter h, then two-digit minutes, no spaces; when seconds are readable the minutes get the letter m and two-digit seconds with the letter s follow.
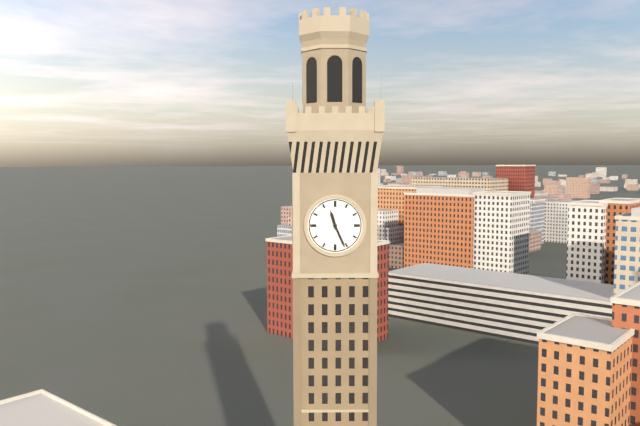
11h26
